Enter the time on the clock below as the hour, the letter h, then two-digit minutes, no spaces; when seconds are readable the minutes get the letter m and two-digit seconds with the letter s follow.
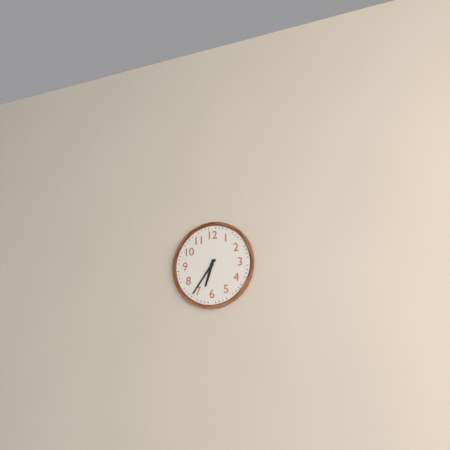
6h36
